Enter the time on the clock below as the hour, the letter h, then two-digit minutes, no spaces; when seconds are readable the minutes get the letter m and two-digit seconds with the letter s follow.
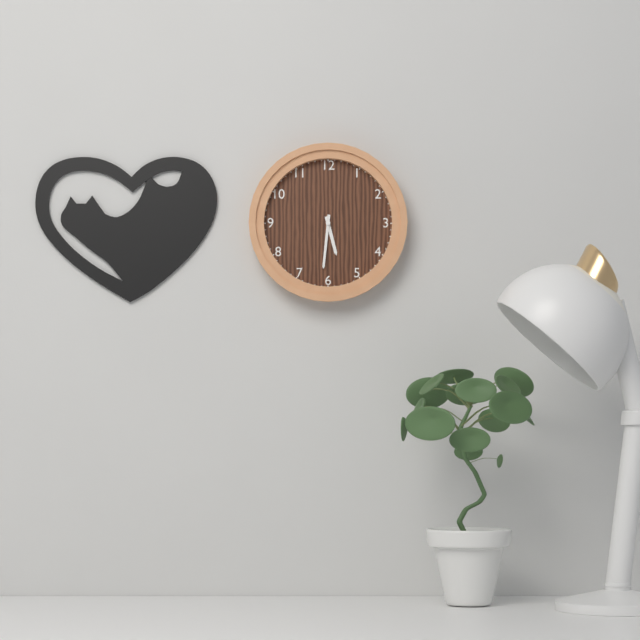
5h31
